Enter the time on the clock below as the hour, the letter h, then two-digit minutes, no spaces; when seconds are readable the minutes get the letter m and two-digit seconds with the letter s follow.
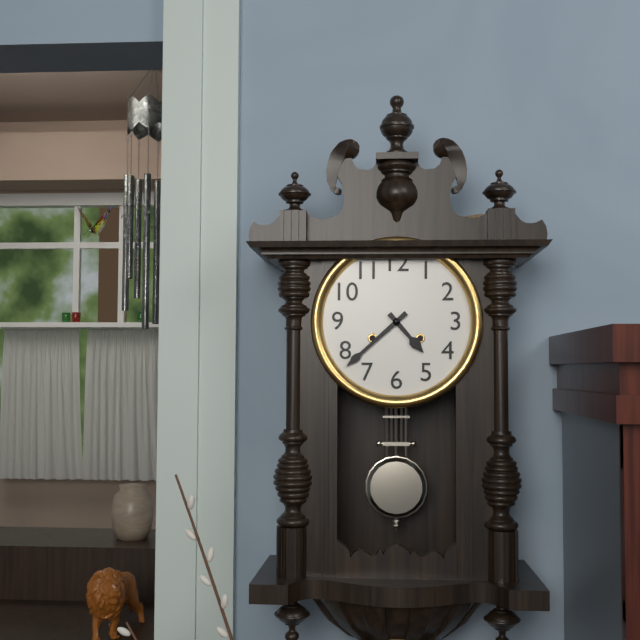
4h38
